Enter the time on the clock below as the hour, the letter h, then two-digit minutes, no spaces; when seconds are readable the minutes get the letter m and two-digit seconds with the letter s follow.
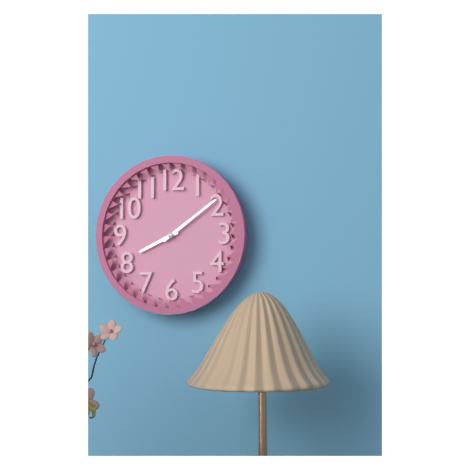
8h09
